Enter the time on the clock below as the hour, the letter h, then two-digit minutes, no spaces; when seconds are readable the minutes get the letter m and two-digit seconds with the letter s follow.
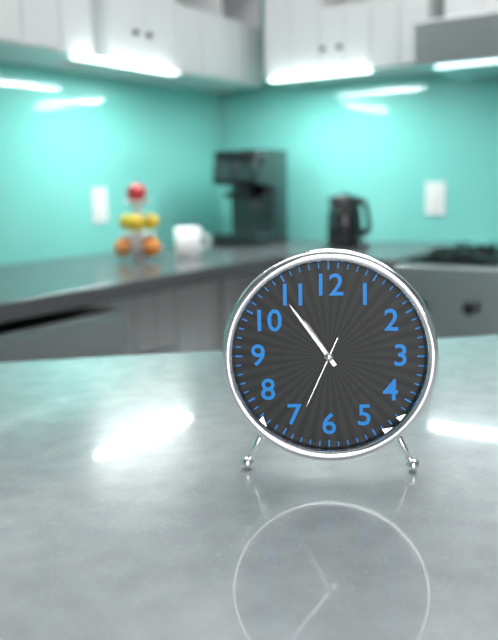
10h54m34s
